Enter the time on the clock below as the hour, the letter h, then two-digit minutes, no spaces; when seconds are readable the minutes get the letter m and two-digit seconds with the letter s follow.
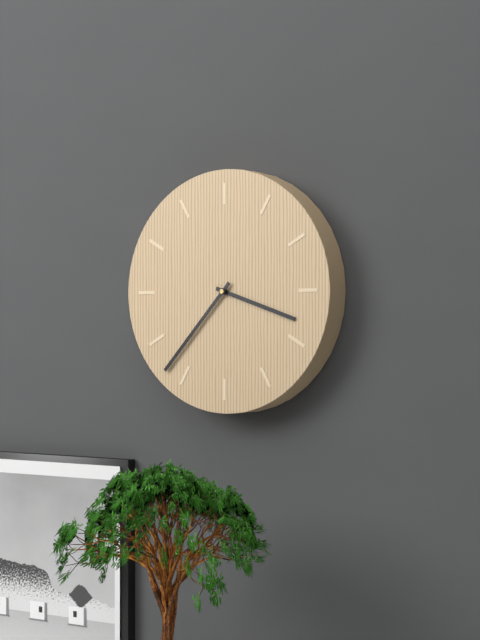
3h37
